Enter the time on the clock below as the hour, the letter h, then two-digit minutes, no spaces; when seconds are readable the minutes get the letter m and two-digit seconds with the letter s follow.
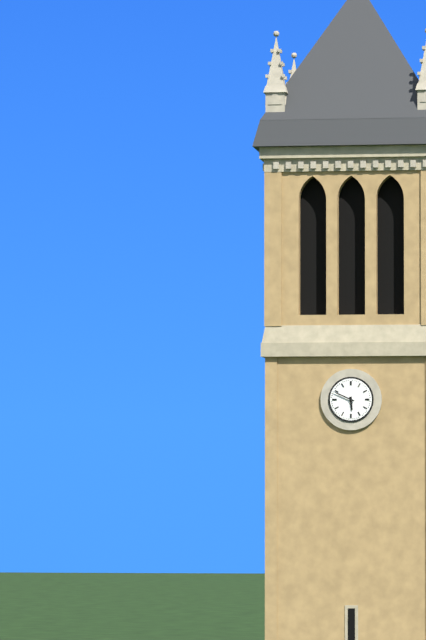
5h49
